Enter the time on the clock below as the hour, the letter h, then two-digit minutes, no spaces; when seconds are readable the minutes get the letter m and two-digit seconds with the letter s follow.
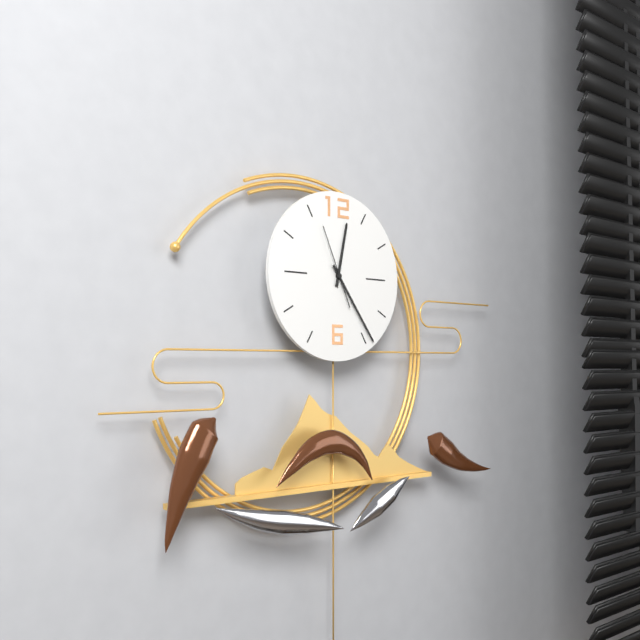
12h24m56s
